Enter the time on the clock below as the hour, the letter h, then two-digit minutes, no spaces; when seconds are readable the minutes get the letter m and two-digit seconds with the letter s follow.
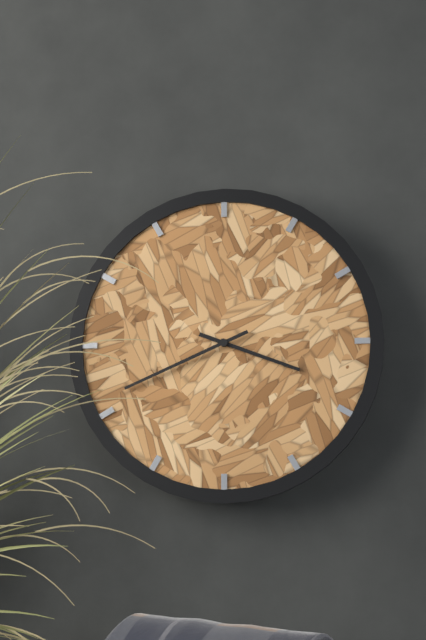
3h41
